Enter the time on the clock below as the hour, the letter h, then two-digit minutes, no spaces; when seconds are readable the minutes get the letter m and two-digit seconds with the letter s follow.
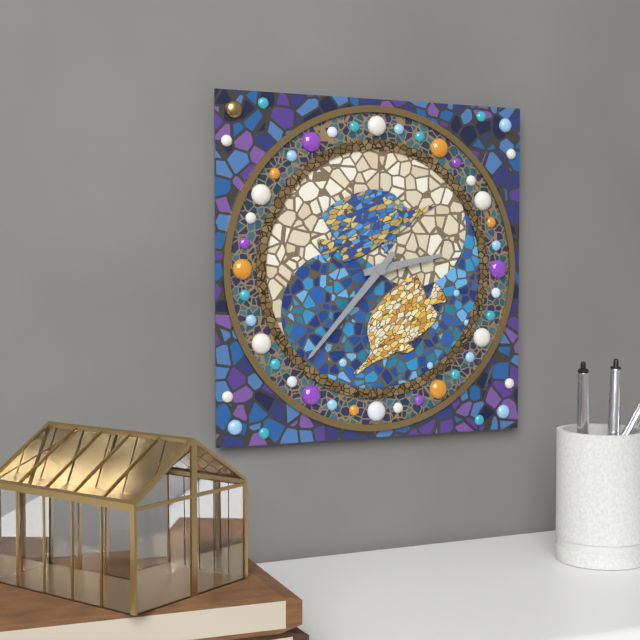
2h37
